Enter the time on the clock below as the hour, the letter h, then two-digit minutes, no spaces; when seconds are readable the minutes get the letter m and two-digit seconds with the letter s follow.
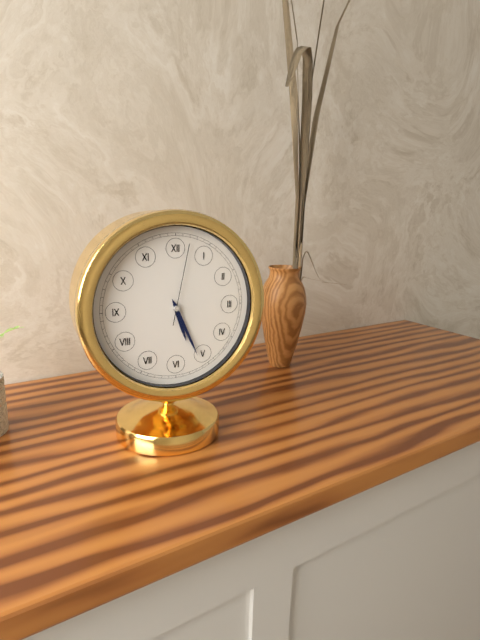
5h26m02s
